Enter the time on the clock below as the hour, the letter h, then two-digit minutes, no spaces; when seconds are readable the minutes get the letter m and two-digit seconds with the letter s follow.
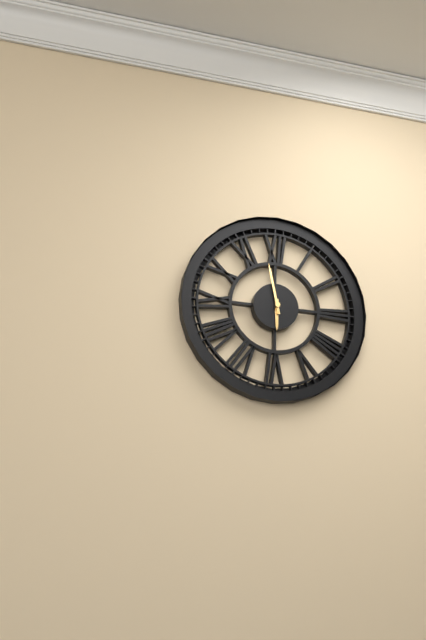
5h58
